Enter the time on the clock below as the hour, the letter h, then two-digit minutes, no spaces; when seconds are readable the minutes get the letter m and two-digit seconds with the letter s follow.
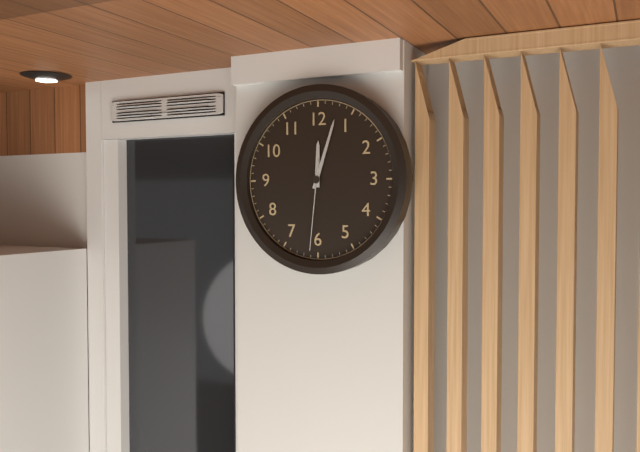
12h03m31s
